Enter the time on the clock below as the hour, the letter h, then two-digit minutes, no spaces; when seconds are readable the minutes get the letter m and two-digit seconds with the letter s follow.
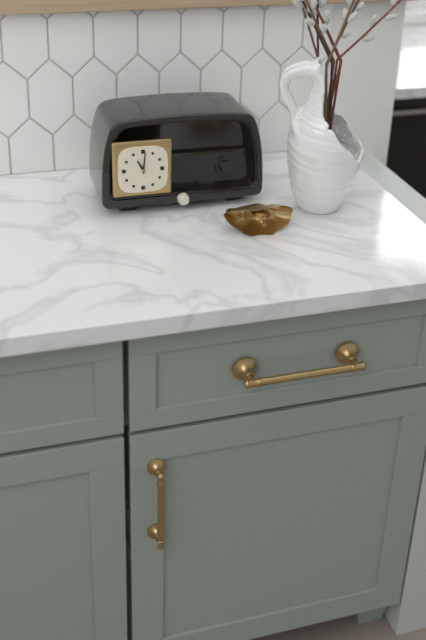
11h01
